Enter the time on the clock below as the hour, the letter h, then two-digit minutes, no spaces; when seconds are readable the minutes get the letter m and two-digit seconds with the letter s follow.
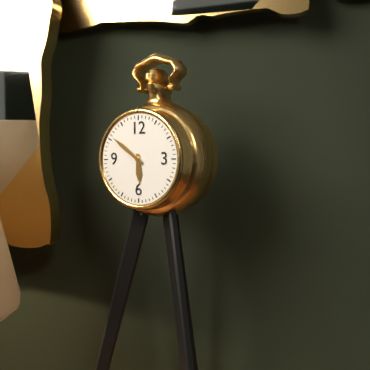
5h51
